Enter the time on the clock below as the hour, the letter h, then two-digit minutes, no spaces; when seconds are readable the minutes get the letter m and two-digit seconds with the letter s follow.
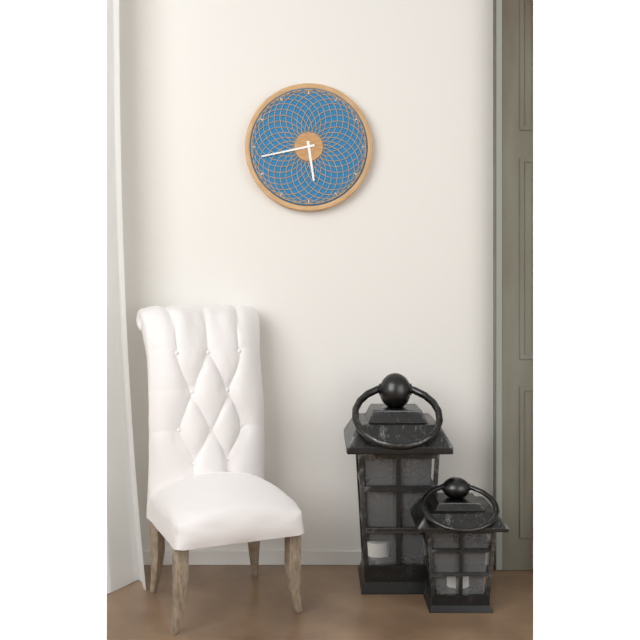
5h43
